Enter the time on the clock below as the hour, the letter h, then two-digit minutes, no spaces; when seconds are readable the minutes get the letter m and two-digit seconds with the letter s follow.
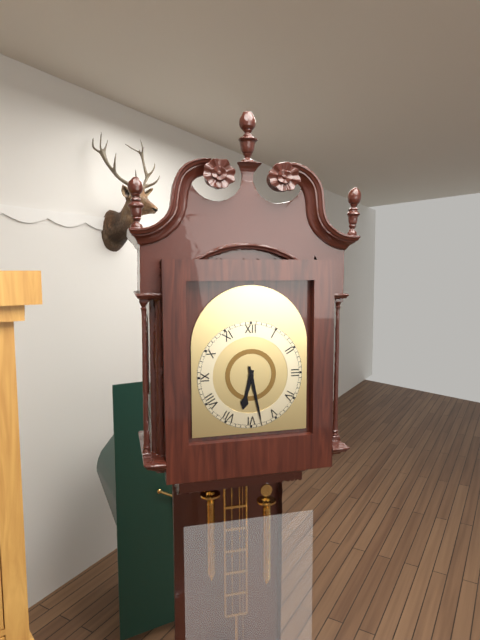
6h28
